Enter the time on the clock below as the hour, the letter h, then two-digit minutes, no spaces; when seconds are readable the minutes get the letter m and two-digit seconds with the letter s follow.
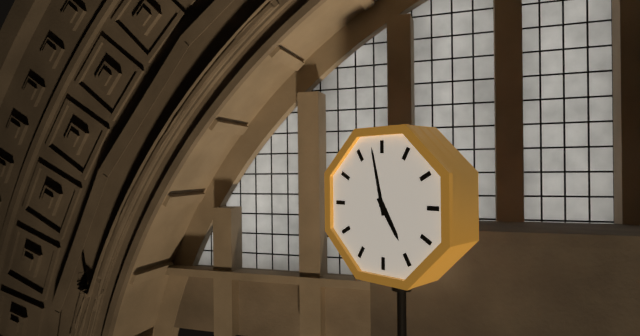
4h58
